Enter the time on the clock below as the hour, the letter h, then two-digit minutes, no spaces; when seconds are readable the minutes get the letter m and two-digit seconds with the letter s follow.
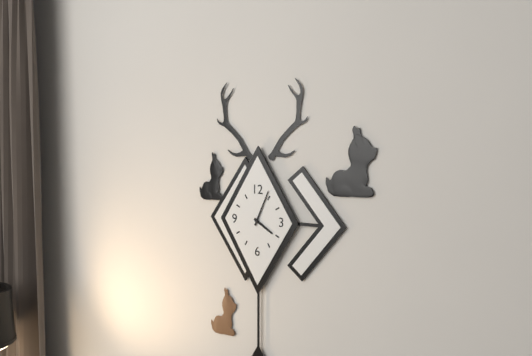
4h04
